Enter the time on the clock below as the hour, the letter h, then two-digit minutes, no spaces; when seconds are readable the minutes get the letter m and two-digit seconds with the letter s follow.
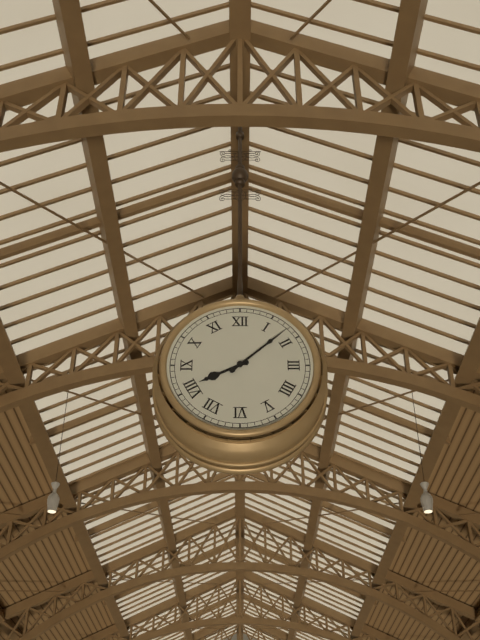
8h08
